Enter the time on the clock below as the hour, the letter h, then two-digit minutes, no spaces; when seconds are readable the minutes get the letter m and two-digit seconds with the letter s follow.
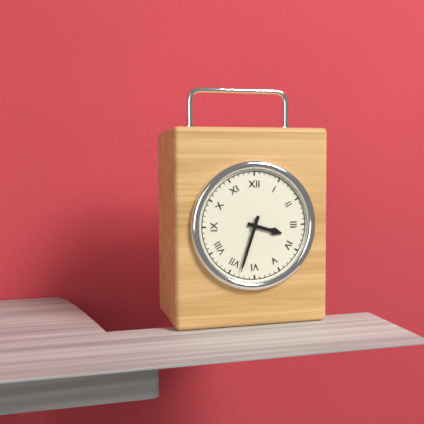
3h33
